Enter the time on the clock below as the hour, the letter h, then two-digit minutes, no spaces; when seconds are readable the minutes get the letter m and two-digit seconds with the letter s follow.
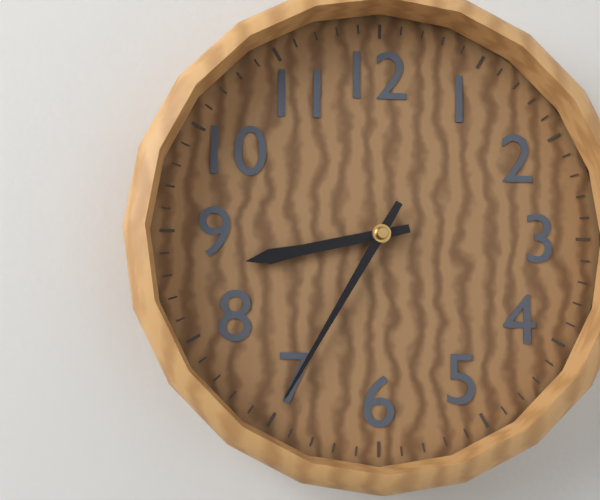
8h35
